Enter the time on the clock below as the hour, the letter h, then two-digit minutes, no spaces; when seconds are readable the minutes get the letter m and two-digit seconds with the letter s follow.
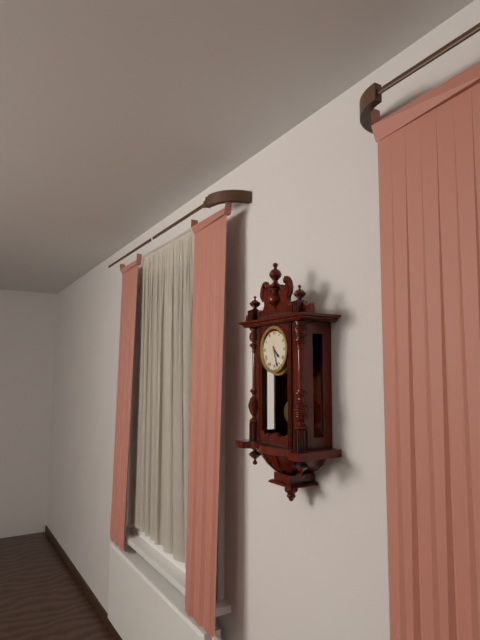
4h27
